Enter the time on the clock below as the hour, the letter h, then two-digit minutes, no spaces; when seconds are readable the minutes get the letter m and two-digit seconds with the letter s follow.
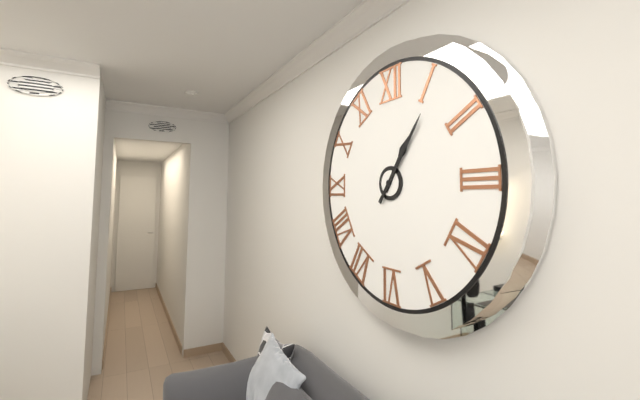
1h06
